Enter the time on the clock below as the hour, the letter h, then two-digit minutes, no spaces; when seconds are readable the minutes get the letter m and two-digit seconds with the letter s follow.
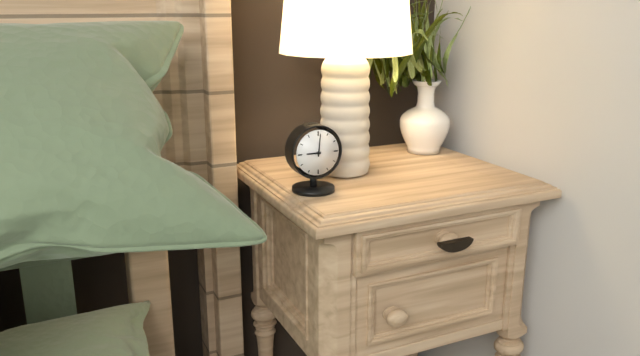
9h01
